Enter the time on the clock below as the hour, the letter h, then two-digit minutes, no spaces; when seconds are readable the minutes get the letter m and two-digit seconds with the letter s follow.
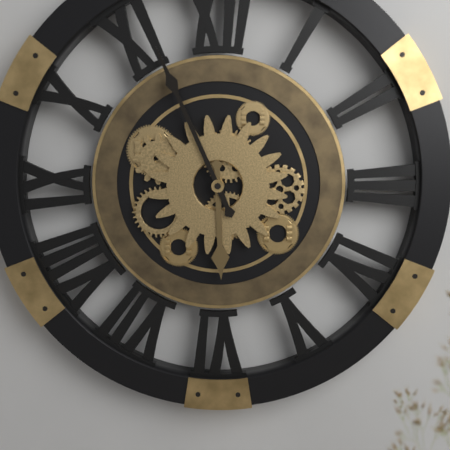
5h56
